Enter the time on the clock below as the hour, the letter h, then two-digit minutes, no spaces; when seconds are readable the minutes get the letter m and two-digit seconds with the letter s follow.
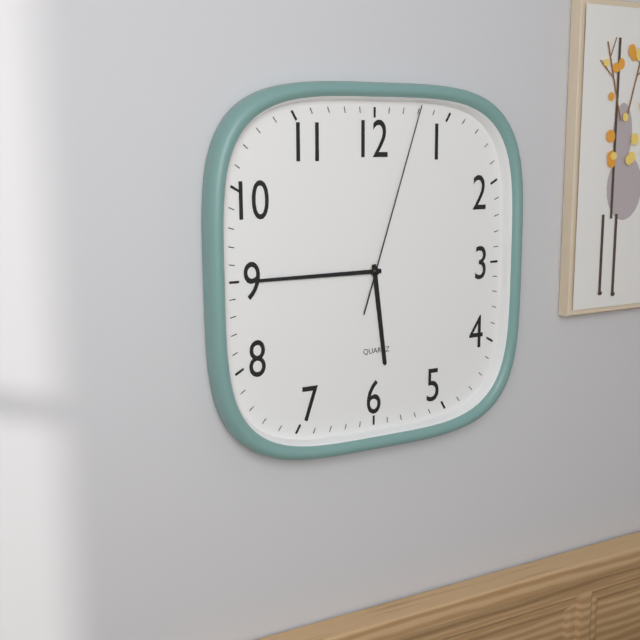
5h45m03s
